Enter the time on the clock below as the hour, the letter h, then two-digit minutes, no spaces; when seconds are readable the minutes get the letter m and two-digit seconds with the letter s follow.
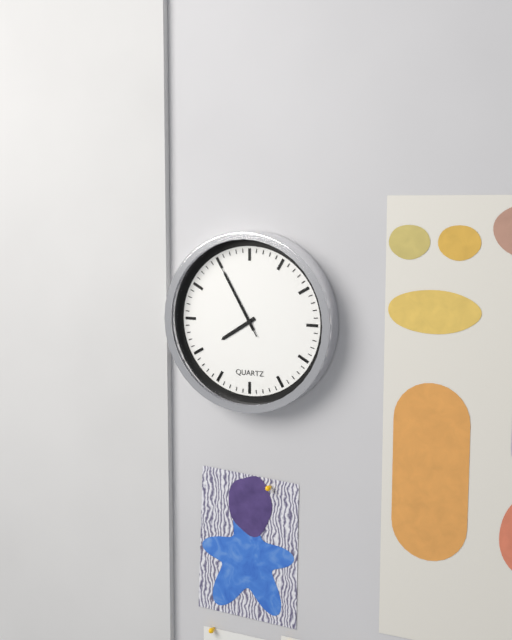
7h55m55s
